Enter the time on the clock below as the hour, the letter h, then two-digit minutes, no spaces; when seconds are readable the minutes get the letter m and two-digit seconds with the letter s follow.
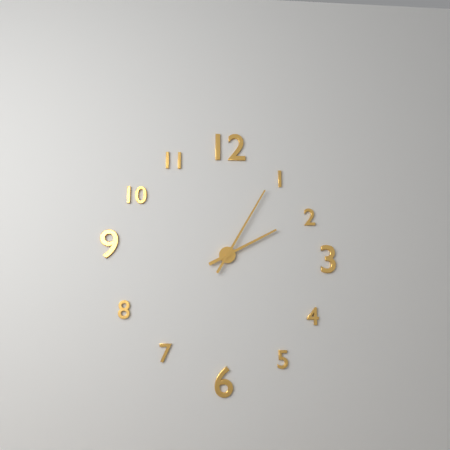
2h05
